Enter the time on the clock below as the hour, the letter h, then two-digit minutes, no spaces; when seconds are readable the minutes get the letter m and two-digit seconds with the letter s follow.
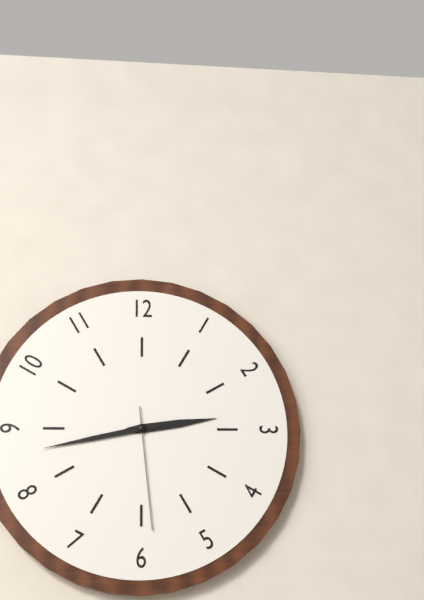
2h43m29s
